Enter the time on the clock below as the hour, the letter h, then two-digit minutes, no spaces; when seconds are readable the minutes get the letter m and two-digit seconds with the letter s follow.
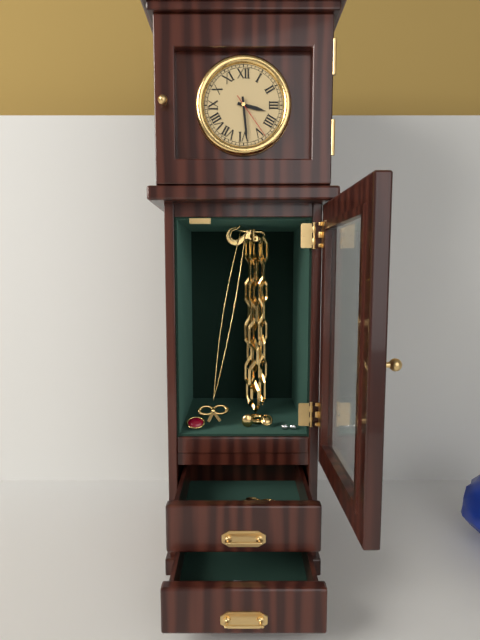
3h29
